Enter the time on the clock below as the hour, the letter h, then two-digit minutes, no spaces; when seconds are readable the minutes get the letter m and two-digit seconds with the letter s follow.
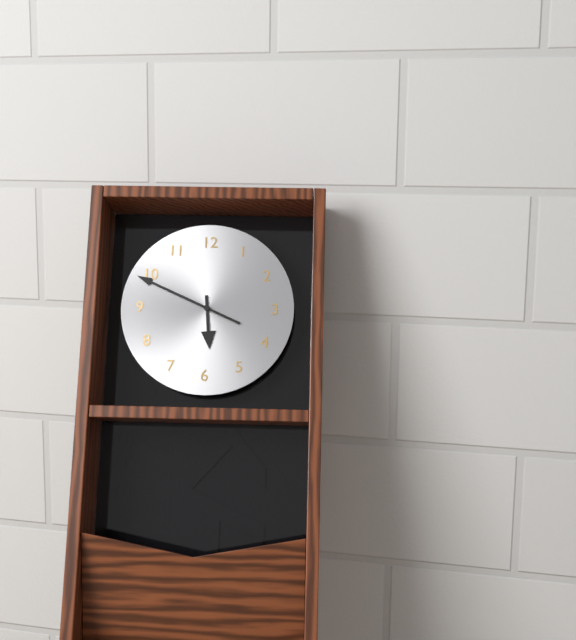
5h49
